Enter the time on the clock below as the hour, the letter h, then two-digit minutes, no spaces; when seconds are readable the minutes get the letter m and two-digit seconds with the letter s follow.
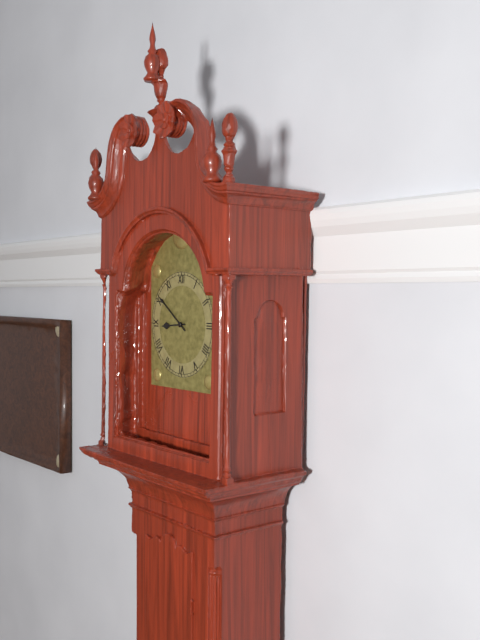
8h51
